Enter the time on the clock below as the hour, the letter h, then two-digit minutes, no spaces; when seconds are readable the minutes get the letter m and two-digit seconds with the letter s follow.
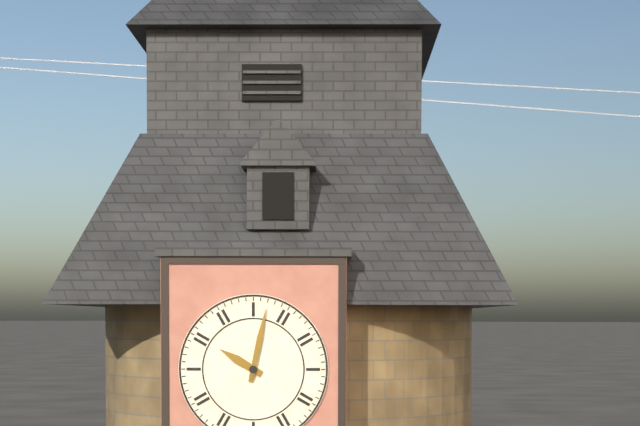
10h02
